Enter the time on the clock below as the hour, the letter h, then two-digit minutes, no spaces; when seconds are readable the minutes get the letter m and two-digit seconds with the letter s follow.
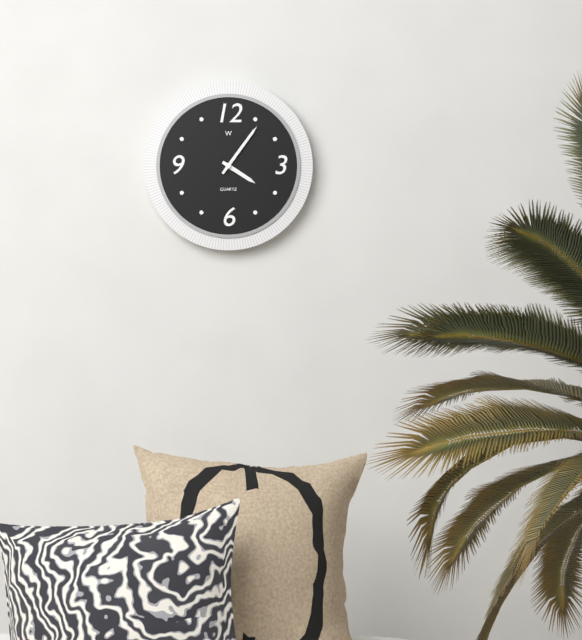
4h06
